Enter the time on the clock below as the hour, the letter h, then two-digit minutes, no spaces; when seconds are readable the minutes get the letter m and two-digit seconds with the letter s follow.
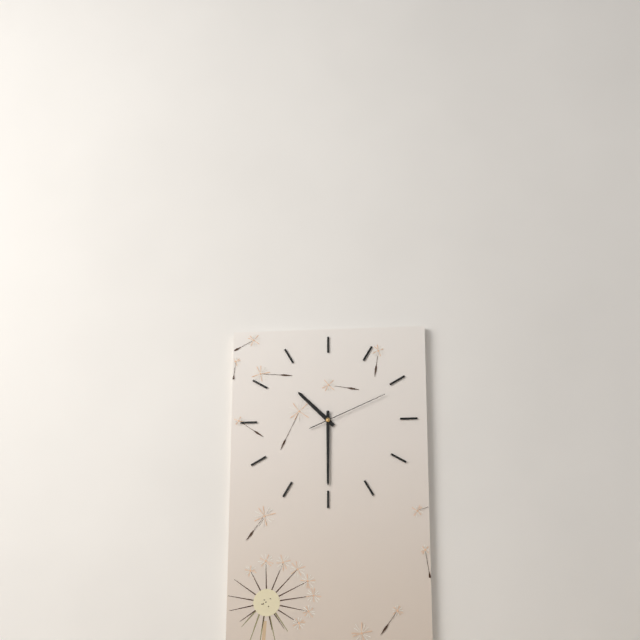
10h30m11s
